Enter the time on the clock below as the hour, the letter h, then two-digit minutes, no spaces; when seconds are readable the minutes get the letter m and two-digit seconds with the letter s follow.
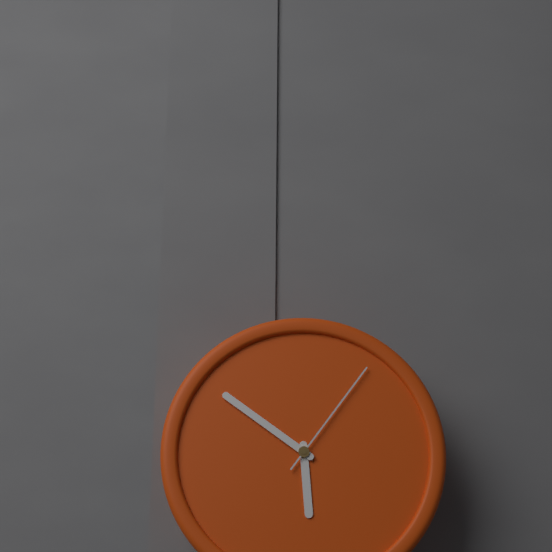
5h51m06s
